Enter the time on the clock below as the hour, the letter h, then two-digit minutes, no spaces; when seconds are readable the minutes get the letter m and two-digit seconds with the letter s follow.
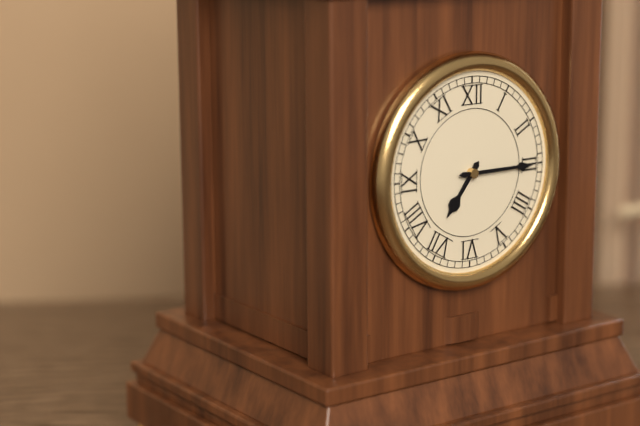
7h15
